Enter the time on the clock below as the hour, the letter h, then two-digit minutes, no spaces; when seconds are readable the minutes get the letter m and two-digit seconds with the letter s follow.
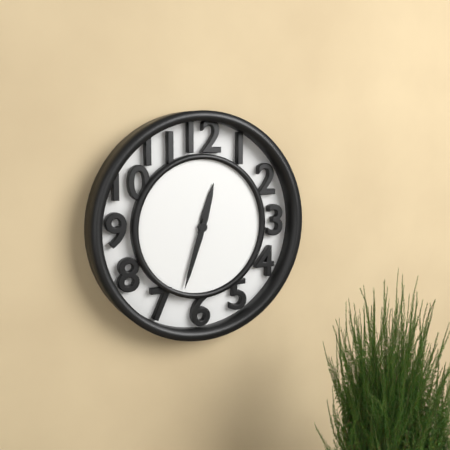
12h33
